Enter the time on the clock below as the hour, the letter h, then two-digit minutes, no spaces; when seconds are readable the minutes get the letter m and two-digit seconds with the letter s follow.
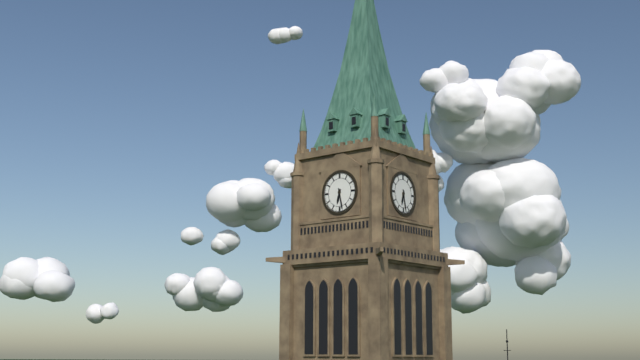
6h28
